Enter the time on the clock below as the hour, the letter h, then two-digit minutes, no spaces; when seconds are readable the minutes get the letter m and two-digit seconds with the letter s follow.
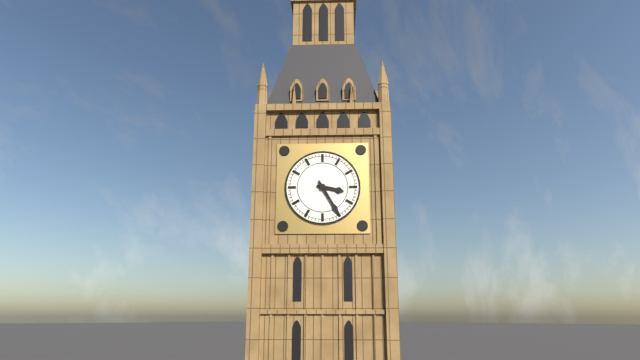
3h25
